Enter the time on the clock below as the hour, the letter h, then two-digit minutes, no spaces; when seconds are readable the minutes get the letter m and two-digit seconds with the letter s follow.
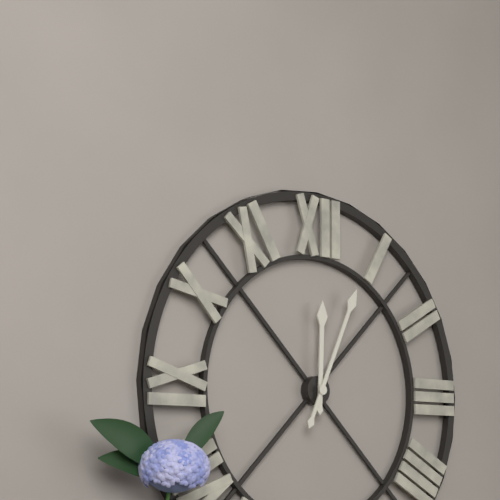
12h04
